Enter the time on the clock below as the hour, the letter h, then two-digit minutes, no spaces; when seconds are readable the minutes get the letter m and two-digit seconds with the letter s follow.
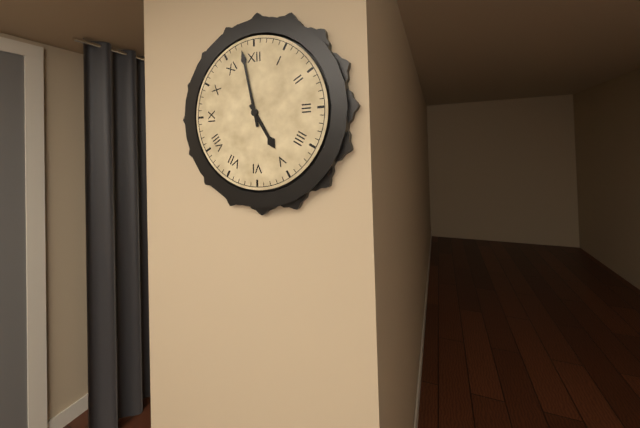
4h58
